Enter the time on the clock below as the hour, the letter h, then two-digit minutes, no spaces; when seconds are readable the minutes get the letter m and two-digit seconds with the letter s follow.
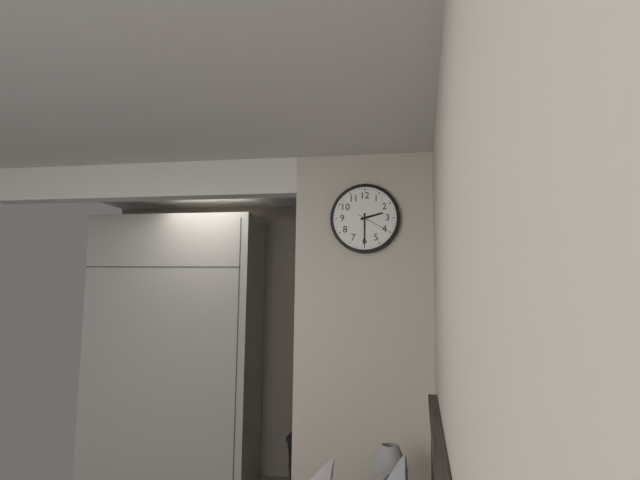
2h30
